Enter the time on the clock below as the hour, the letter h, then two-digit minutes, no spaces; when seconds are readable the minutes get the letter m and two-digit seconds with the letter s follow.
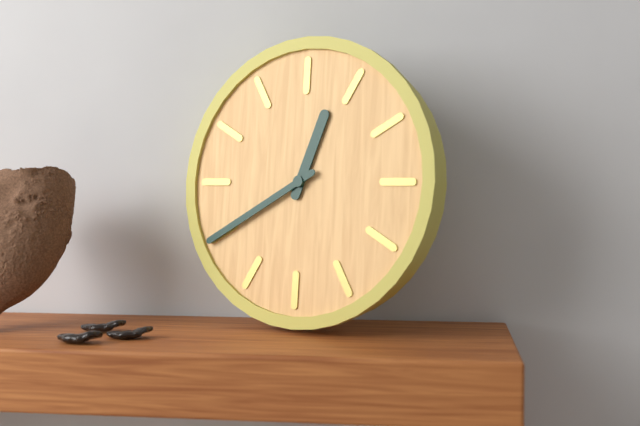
12h40
